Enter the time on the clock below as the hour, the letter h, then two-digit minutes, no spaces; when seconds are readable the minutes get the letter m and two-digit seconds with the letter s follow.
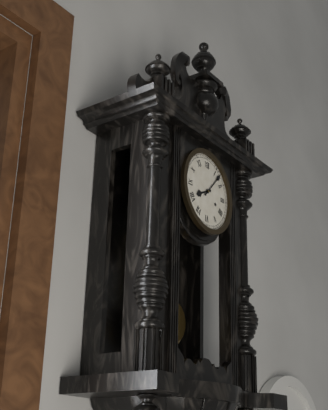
8h07
